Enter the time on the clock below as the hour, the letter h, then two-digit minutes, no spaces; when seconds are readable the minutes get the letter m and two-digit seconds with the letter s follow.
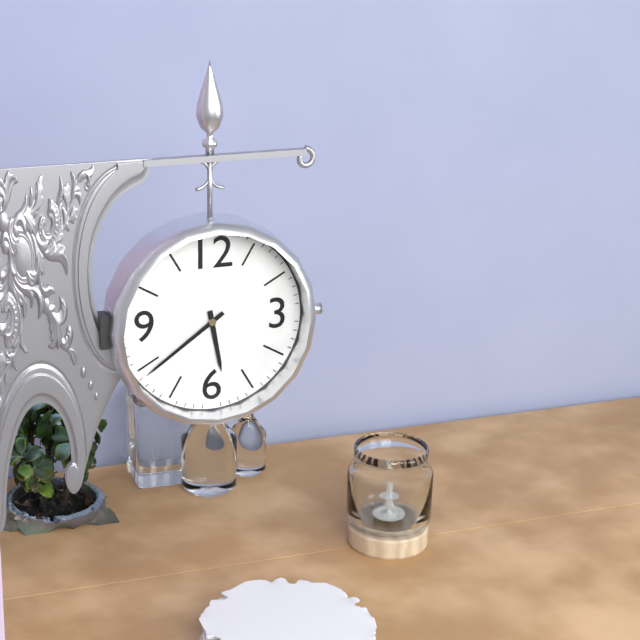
5h39
